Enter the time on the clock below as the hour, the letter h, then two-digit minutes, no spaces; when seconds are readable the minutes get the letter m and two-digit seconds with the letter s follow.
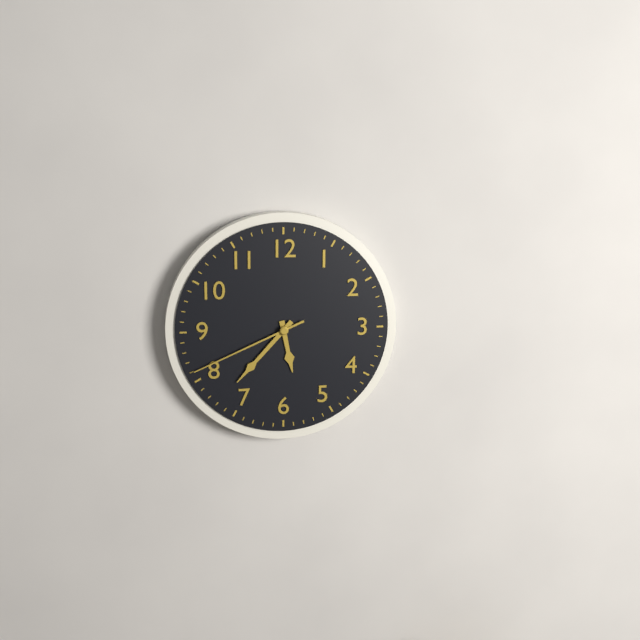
5h37m41s
